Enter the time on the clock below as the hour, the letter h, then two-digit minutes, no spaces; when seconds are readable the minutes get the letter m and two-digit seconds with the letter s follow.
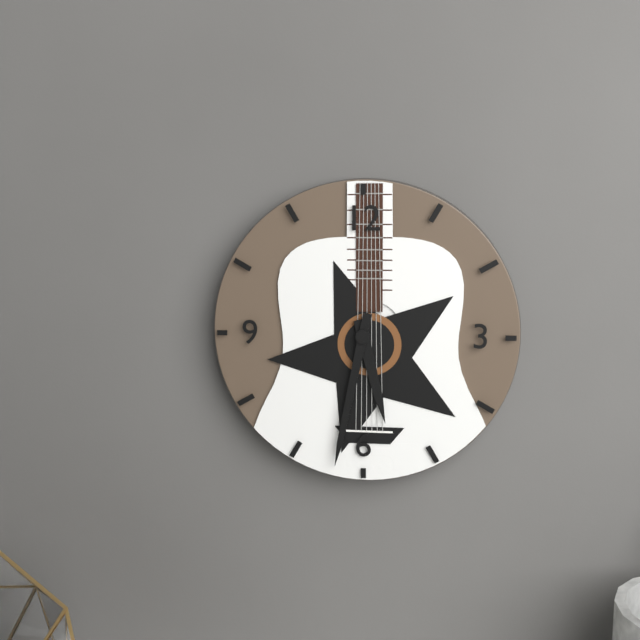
5h32
